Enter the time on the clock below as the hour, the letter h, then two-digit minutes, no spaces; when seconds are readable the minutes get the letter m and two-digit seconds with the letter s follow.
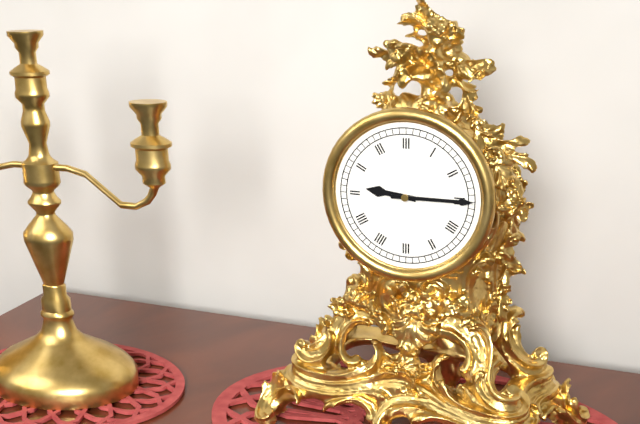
9h15
